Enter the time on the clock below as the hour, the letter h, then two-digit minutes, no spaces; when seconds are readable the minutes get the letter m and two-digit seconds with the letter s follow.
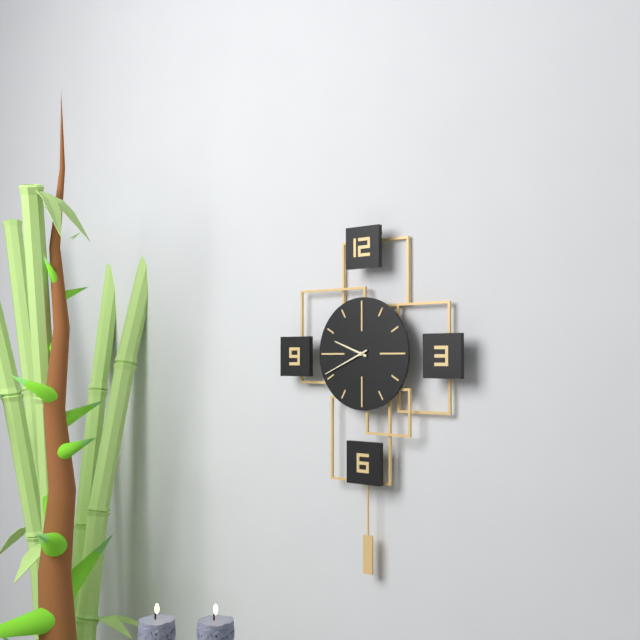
9h41
